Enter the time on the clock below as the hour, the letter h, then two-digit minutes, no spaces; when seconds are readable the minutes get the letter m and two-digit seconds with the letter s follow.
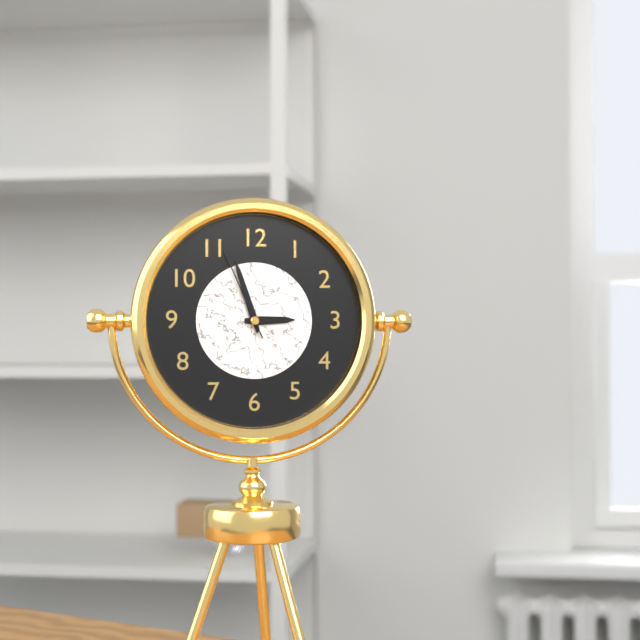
2h57m56s
